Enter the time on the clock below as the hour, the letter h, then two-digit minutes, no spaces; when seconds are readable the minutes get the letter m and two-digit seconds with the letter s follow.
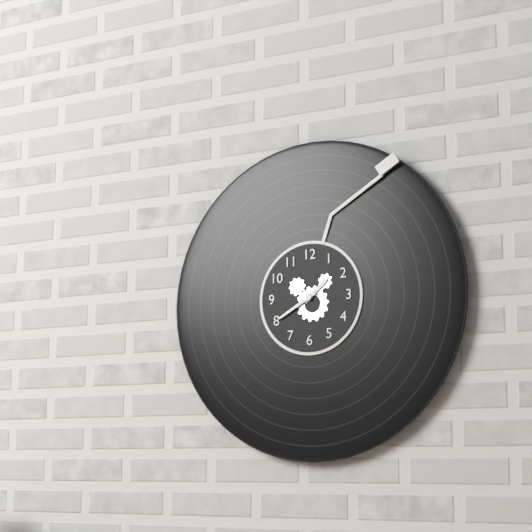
1h40
